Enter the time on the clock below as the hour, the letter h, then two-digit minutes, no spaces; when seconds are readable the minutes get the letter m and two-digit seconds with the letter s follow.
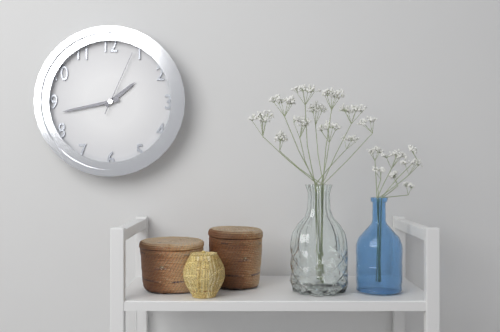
1h43m04s
